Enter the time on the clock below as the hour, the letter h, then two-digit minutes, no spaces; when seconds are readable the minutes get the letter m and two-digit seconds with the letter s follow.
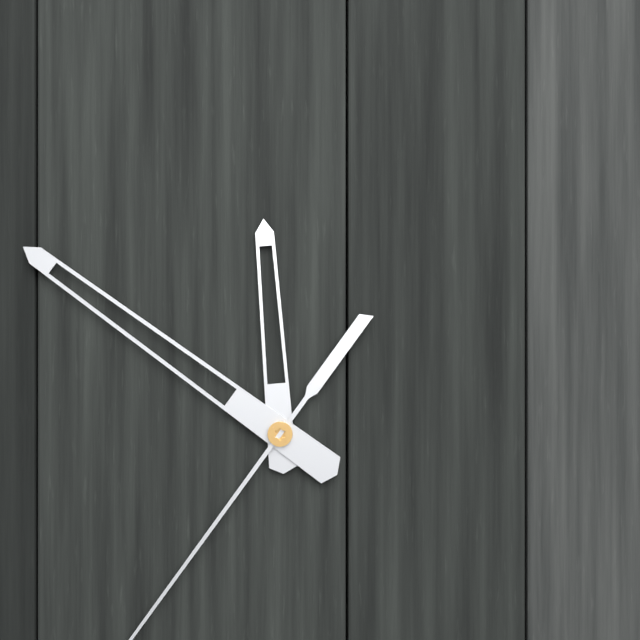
11h51
